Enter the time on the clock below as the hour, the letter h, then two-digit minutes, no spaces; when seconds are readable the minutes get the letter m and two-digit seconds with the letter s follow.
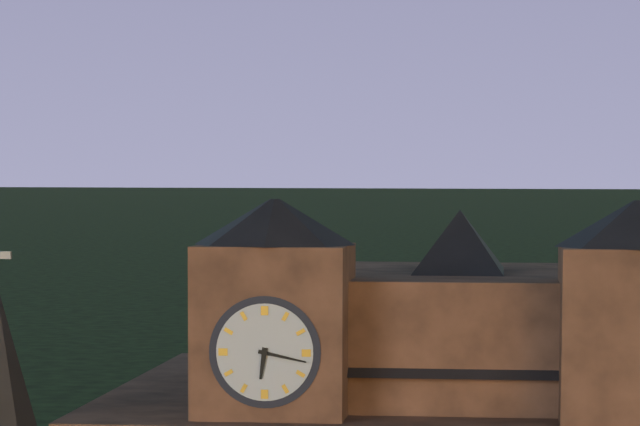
6h17
